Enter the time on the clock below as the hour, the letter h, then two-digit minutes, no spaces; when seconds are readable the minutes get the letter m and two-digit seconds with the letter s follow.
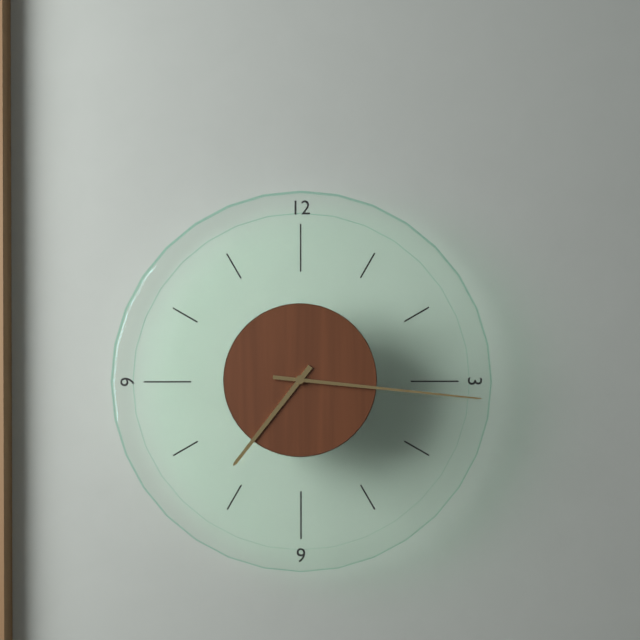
7h16
